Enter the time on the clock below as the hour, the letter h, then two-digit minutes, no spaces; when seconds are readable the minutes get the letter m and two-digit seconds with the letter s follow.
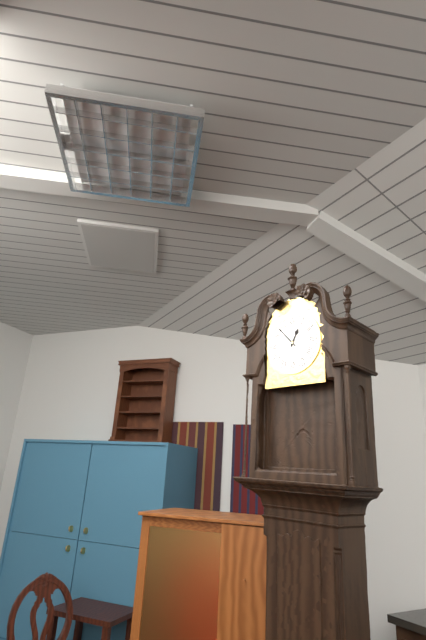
12h53
